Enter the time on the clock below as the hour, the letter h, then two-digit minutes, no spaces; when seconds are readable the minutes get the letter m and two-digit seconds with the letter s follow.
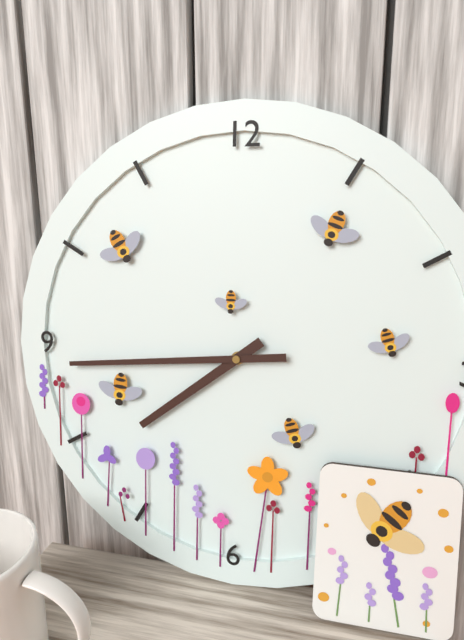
7h44
